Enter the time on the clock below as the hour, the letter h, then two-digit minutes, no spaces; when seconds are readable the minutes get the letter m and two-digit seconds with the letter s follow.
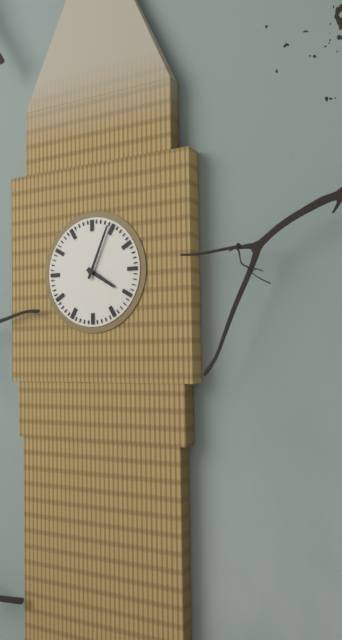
4h04
